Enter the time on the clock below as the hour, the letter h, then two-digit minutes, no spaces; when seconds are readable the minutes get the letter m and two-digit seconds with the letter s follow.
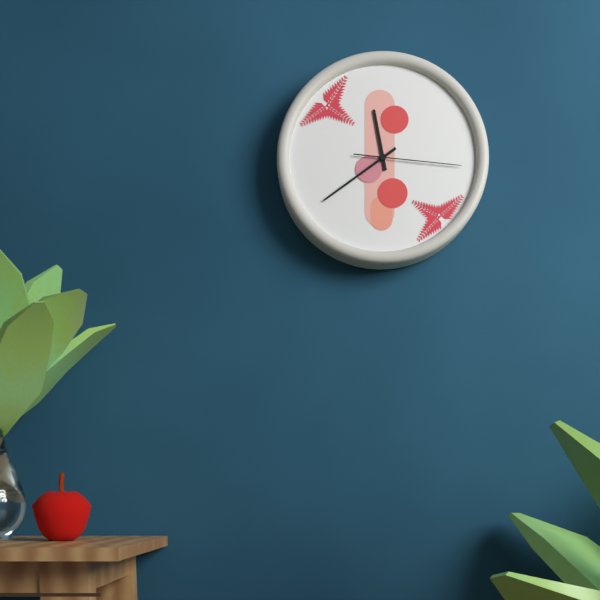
11h39m16s
